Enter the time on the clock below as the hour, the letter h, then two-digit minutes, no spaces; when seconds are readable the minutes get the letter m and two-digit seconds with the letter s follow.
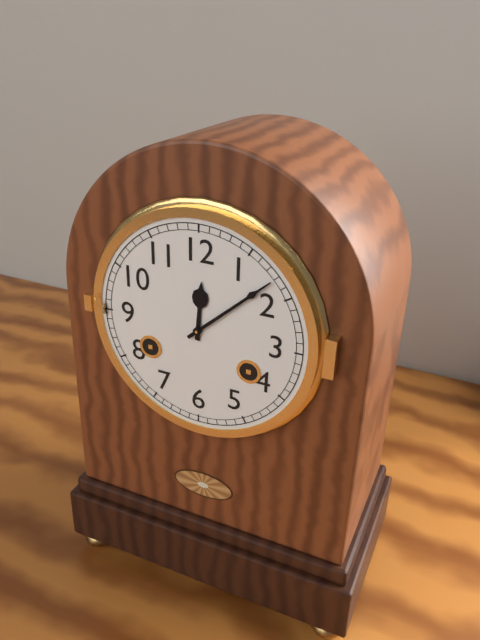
12h08
